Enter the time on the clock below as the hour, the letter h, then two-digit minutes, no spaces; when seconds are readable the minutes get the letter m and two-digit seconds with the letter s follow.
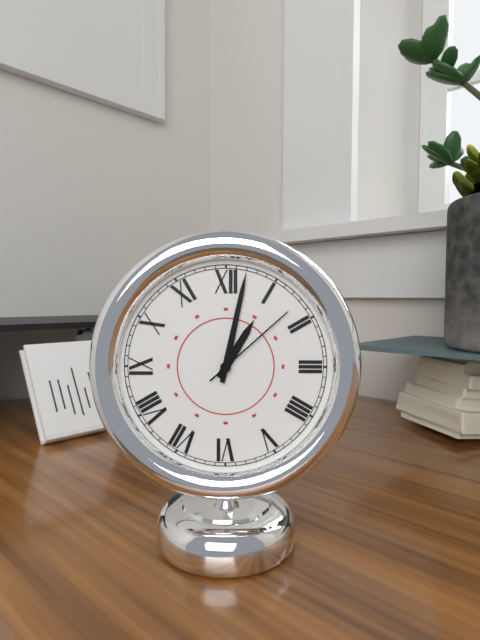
1h02m08s
